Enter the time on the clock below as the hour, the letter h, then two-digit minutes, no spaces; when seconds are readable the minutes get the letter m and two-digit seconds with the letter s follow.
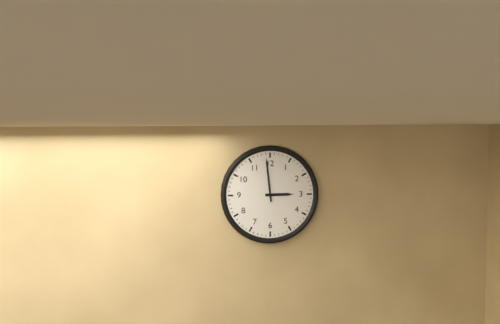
2h59
